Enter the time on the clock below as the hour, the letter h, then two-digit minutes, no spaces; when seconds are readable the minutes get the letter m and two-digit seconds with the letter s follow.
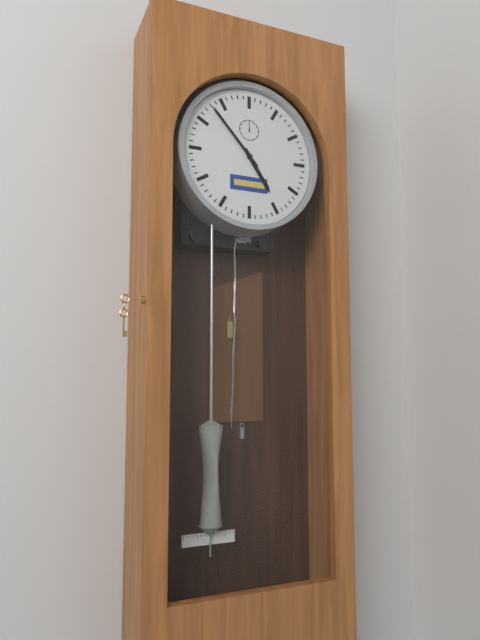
4h53
